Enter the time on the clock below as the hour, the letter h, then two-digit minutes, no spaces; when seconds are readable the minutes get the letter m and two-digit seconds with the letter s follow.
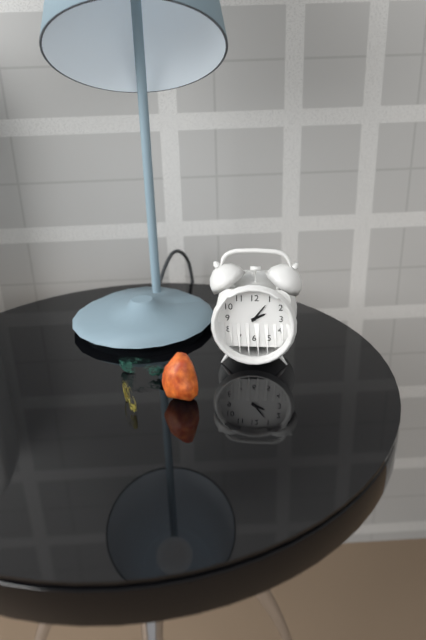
2h06
